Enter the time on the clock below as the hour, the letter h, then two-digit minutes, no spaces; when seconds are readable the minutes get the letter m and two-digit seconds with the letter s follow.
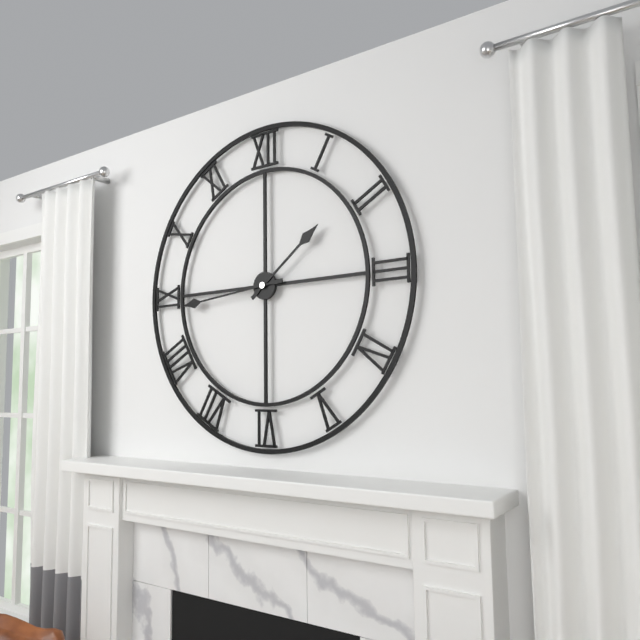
1h44
